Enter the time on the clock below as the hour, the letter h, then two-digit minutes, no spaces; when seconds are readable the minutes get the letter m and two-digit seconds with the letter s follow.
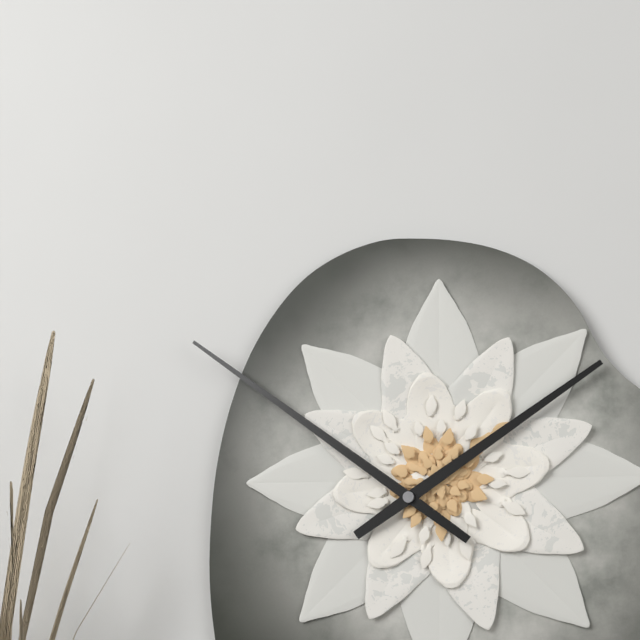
1h51
